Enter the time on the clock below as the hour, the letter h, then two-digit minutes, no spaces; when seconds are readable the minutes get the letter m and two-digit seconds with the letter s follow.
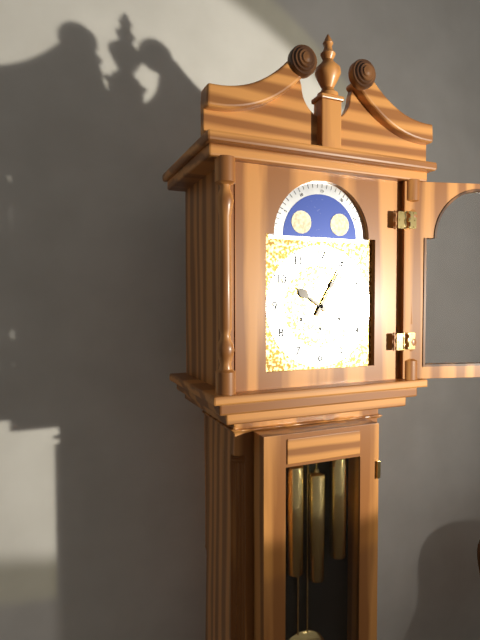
10h05
